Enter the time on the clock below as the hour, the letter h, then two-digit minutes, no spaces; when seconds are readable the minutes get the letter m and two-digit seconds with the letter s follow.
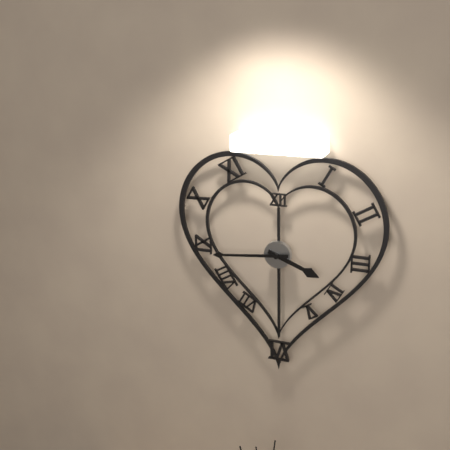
3h44
